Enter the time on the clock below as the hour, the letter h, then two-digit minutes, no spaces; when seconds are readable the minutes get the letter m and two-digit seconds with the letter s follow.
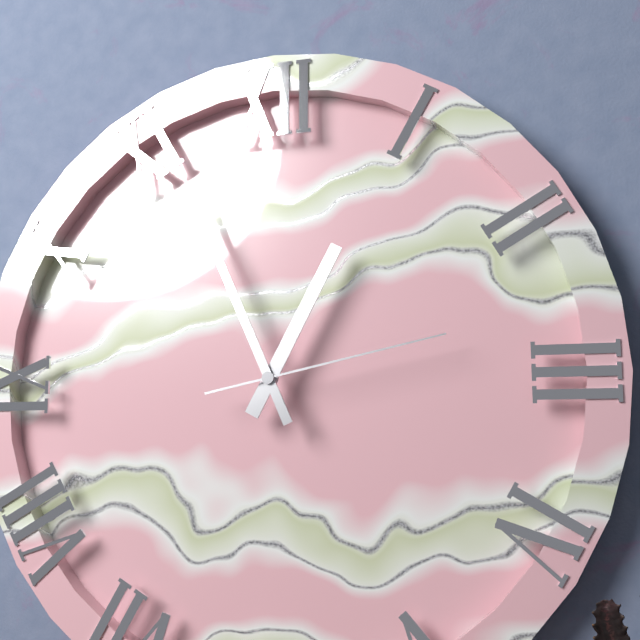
12h56m13s
